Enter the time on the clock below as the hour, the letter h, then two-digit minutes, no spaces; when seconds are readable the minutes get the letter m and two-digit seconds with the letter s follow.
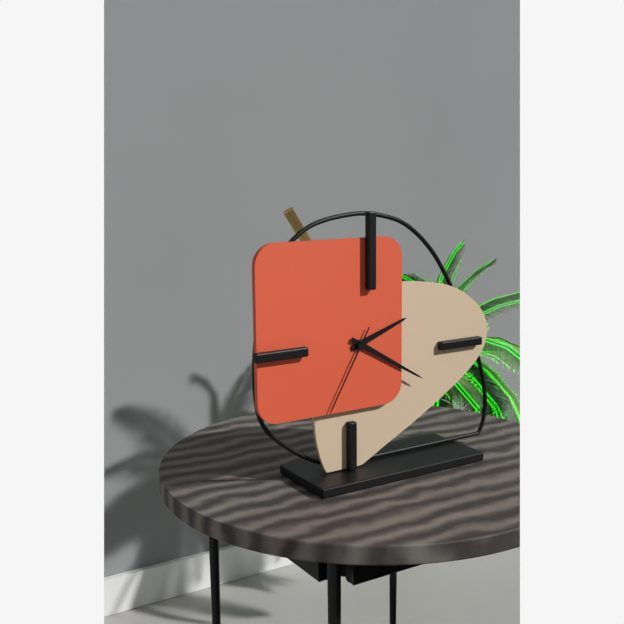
2h20m35s
